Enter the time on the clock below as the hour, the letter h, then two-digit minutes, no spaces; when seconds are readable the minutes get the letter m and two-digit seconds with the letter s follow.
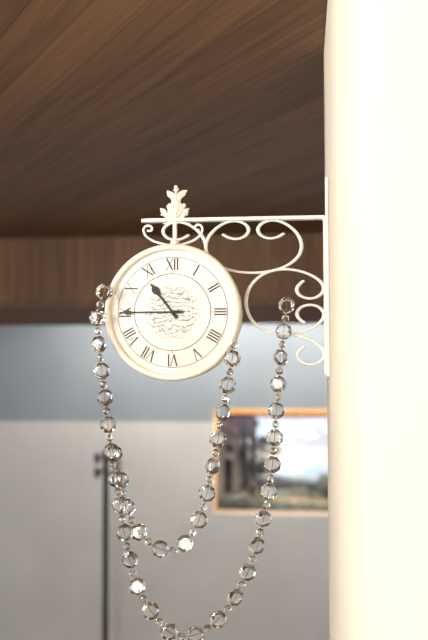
10h45
